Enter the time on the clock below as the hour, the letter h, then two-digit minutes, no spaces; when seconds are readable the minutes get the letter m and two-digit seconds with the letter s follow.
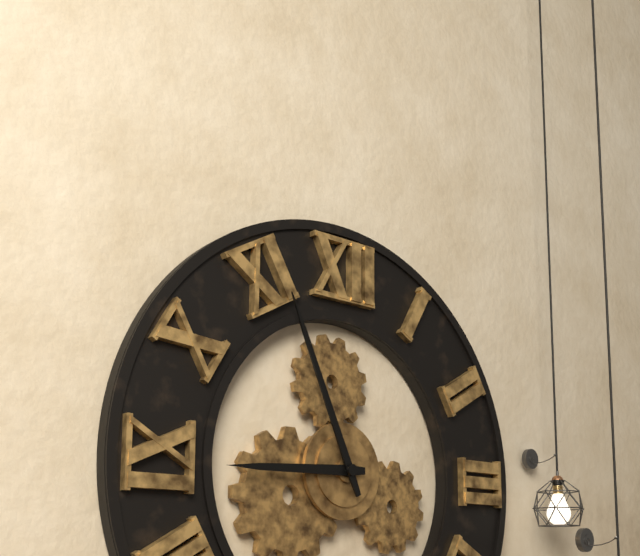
8h56
